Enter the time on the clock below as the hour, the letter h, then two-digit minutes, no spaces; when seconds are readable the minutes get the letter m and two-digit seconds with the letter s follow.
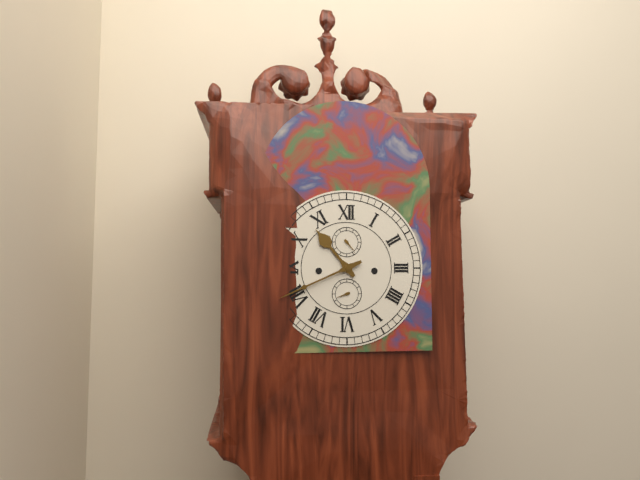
10h41
